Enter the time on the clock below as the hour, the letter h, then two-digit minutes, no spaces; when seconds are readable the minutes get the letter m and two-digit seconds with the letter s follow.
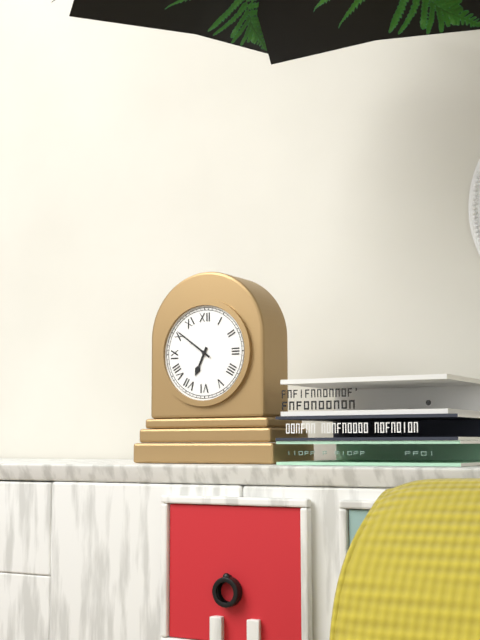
6h51
